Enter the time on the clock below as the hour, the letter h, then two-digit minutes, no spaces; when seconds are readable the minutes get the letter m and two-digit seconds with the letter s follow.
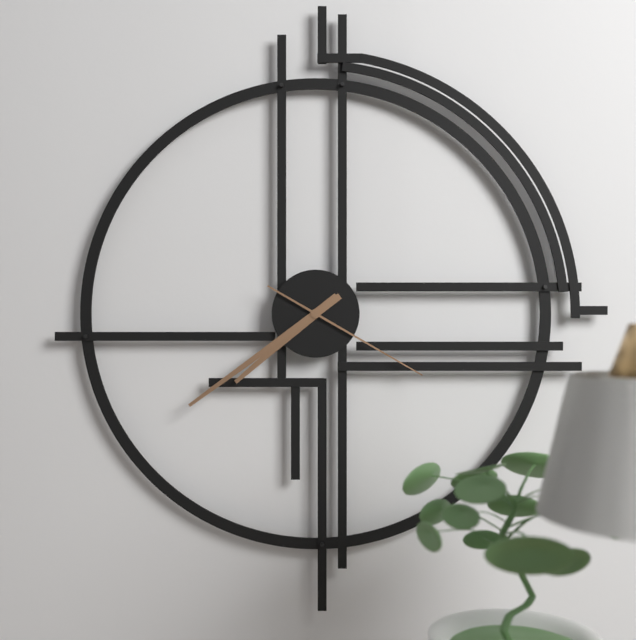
7h39m20s
